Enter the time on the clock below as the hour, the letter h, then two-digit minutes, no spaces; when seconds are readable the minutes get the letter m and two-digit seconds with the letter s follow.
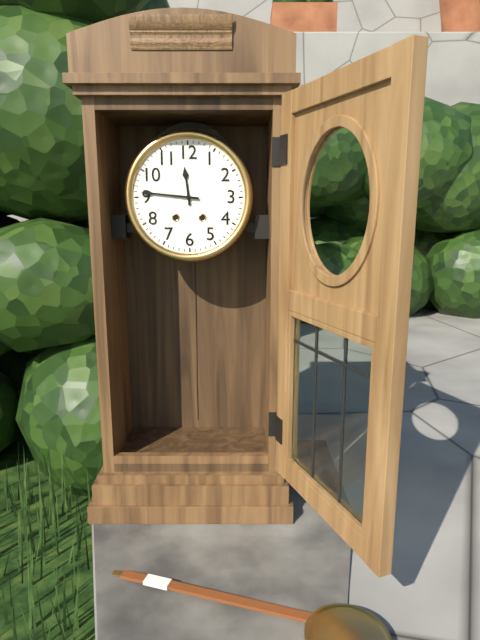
11h46
